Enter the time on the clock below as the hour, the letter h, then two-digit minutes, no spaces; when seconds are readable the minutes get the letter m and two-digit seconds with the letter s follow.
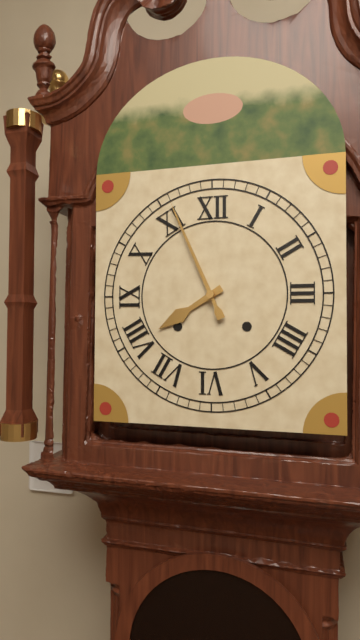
7h56
